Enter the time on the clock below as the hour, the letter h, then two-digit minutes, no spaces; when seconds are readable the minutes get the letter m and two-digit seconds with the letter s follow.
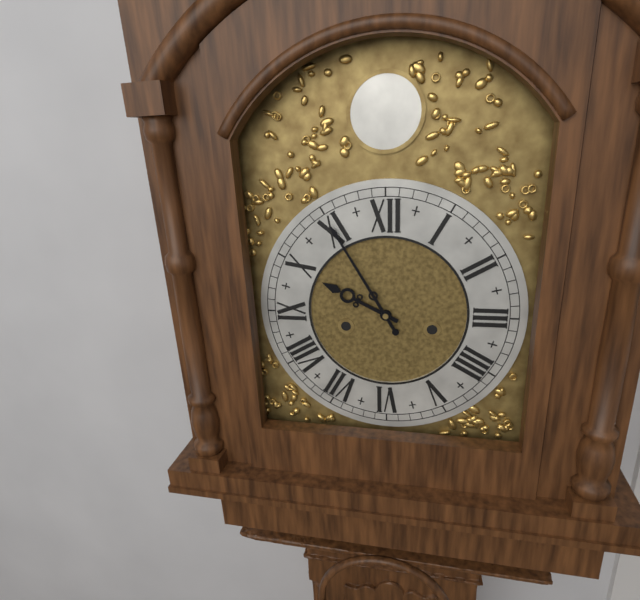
9h55
